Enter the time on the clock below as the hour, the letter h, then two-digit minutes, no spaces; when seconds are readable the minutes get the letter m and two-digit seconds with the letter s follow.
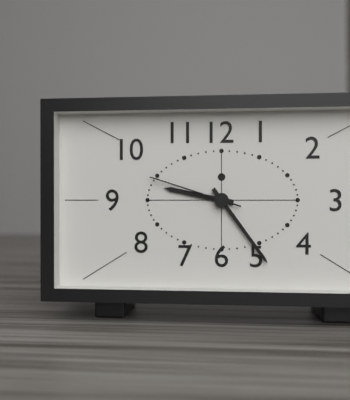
9h24m48s
